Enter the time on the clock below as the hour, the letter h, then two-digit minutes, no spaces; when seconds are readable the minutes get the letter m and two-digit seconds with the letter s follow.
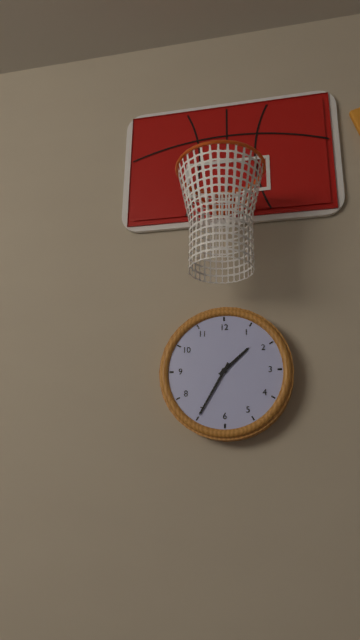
1h35
